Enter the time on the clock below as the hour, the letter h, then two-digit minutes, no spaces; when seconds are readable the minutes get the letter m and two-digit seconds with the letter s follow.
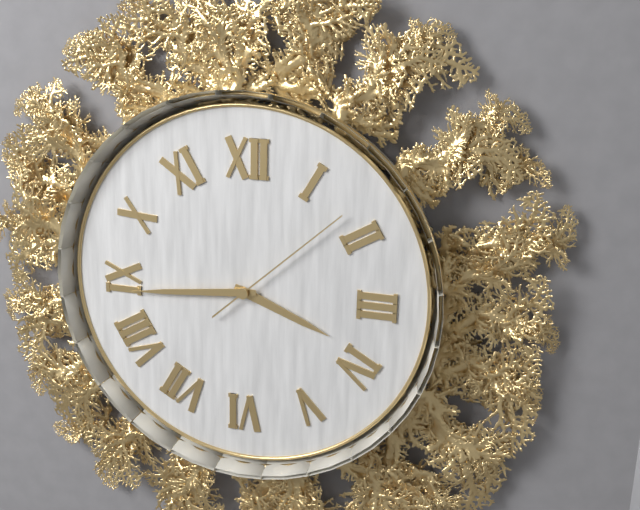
3h44m08s
